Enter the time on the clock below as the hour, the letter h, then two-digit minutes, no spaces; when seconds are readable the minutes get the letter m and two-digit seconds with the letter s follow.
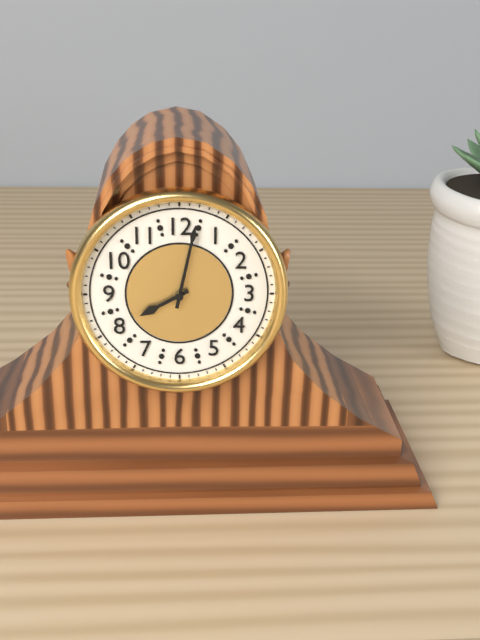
8h02
